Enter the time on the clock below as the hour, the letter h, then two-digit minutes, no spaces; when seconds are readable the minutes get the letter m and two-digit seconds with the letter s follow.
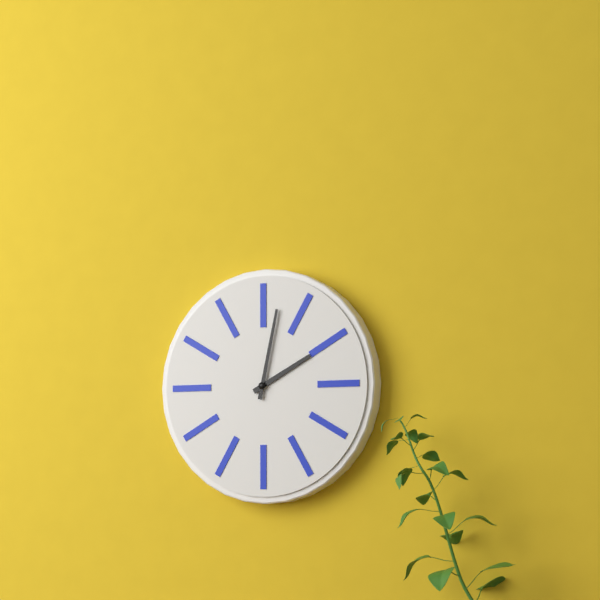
2h02
